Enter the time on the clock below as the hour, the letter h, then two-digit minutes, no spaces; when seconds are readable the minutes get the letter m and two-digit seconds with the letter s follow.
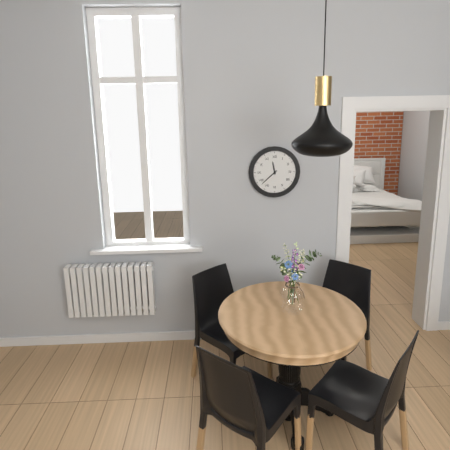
11h38
